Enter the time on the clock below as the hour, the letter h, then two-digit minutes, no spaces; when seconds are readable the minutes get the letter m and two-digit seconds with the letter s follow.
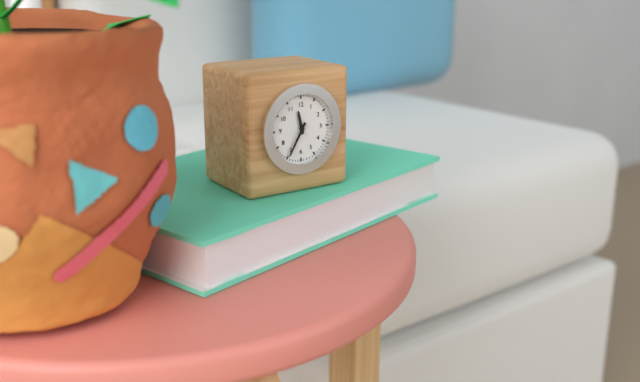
11h35
